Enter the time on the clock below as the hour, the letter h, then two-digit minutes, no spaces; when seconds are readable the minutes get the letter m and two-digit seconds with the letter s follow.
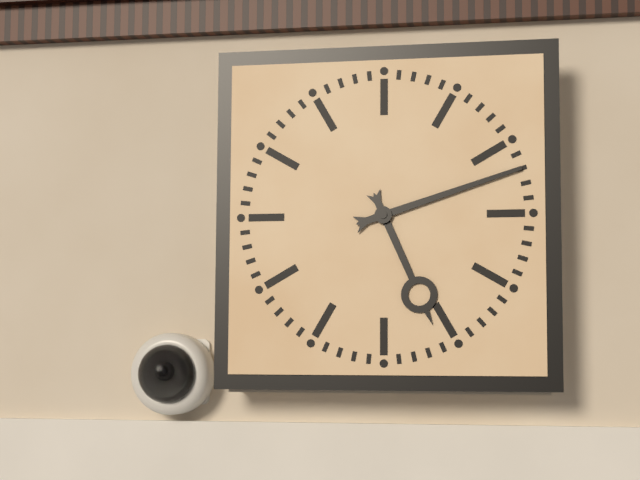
5h12
